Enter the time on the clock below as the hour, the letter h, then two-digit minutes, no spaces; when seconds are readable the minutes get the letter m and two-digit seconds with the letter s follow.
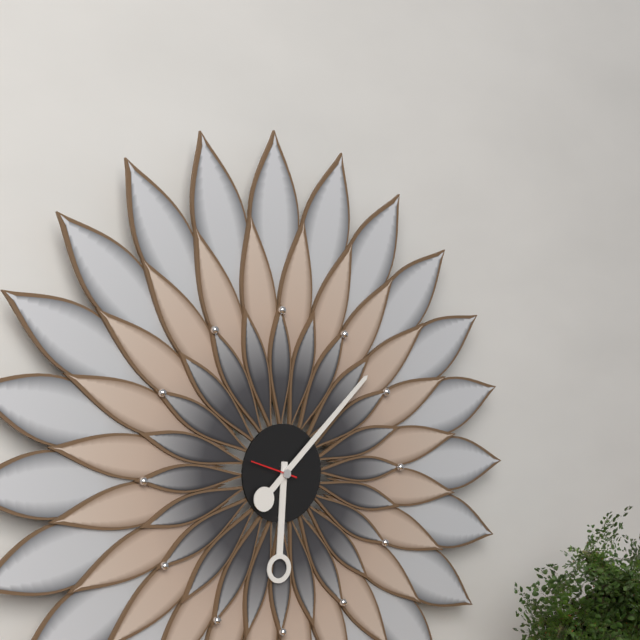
6h08
